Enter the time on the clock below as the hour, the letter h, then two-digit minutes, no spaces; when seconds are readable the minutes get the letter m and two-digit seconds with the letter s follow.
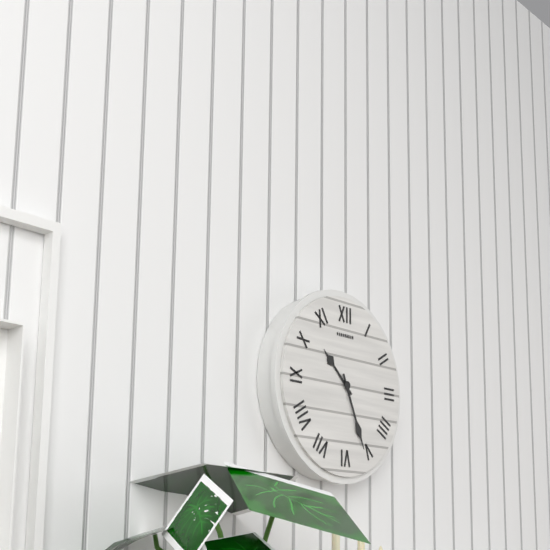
10h26
